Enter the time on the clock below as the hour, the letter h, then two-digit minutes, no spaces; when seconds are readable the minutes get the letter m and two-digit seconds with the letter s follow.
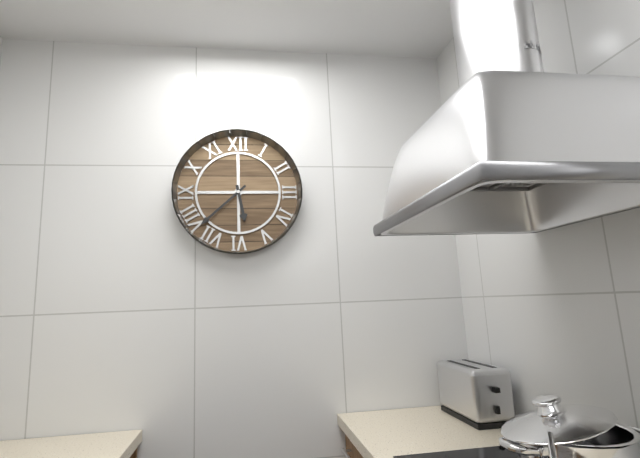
5h38
